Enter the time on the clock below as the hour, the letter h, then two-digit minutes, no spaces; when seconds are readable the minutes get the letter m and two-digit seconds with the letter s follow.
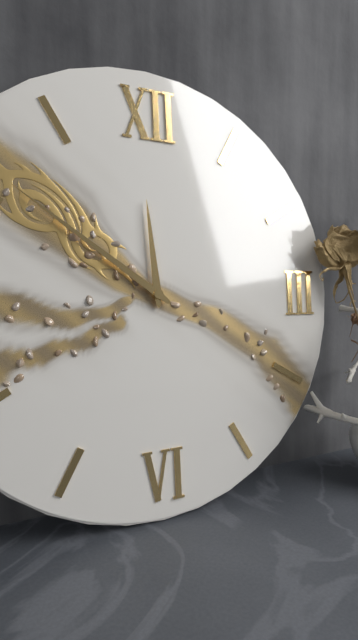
11h51
